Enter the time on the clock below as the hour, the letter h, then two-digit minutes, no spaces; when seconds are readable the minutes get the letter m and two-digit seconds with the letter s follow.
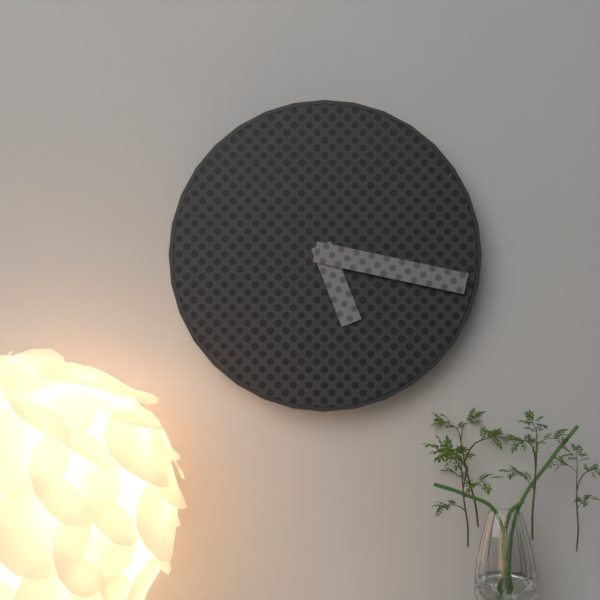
5h17
